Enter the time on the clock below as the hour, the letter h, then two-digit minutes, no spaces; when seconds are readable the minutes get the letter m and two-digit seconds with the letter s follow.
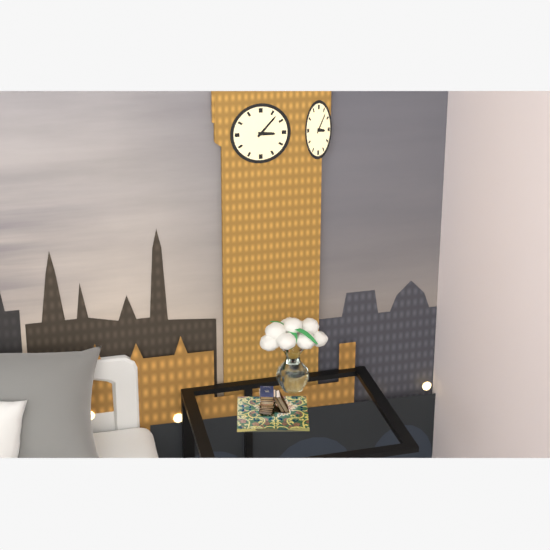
3h07
